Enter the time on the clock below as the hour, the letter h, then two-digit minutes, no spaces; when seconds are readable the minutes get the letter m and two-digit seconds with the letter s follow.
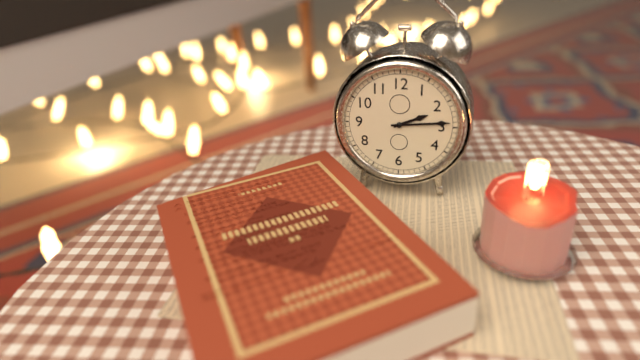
2h14
